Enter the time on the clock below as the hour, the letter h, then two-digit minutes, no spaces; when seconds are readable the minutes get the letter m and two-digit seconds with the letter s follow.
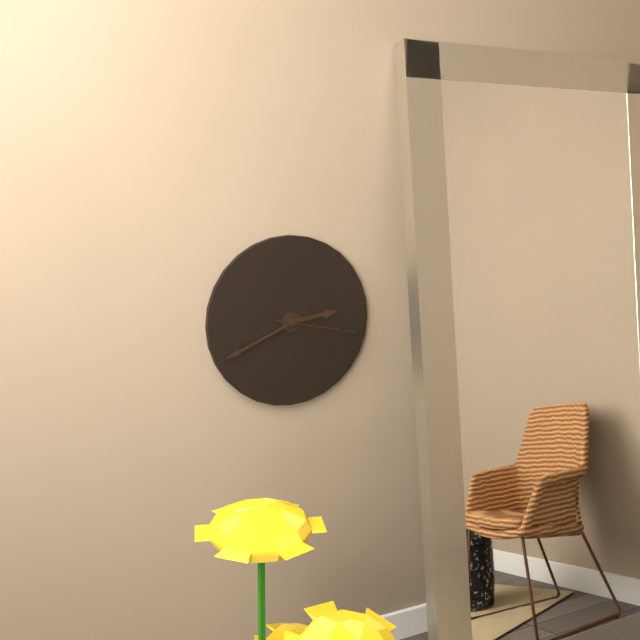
2h41m17s
